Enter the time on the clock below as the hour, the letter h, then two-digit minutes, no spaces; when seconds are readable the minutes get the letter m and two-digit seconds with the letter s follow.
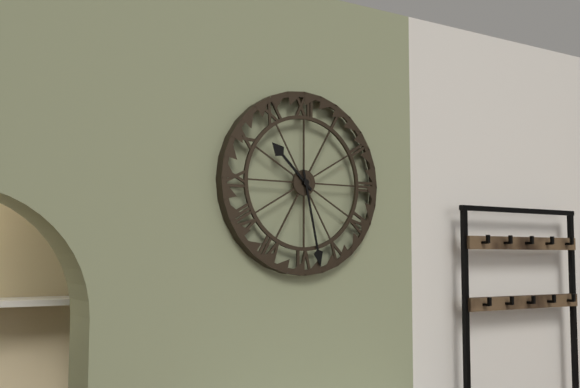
10h28
